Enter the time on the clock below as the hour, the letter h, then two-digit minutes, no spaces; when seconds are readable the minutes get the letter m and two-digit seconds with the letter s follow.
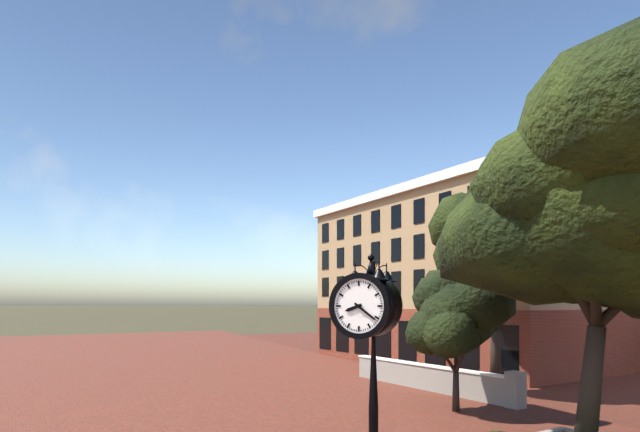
8h21
